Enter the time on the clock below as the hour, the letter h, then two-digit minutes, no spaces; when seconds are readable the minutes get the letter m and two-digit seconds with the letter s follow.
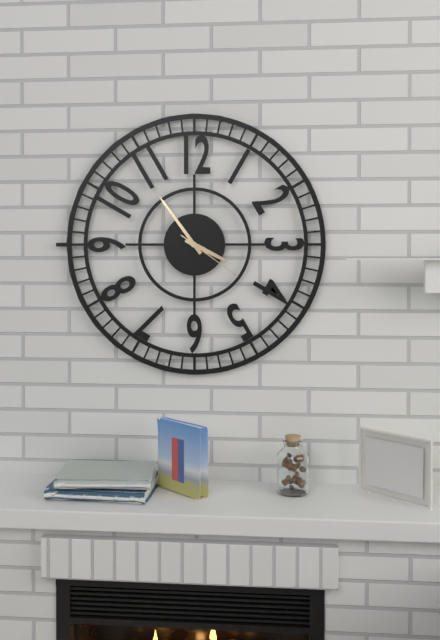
3h54m21s
